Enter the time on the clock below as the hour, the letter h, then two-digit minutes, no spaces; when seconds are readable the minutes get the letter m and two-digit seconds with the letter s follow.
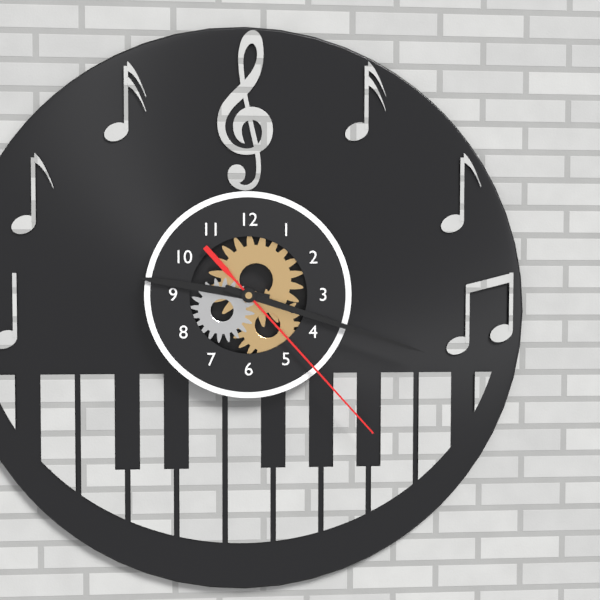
9h18m23s
